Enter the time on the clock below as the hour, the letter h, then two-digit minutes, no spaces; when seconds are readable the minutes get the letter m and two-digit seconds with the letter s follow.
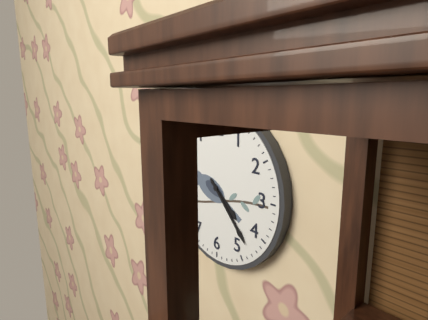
4h23
